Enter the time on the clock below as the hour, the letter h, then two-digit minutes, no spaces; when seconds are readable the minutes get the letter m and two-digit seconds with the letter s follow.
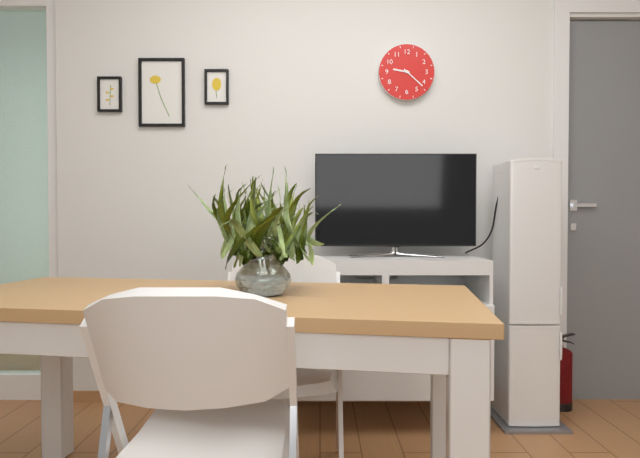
9h22
